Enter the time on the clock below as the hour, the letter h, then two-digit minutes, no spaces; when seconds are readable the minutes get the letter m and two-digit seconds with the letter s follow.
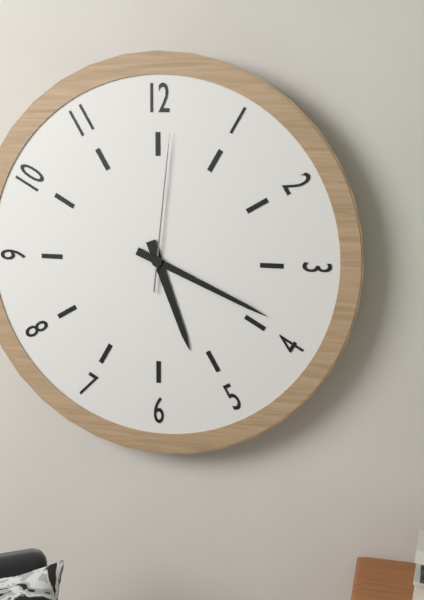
5h19m01s
